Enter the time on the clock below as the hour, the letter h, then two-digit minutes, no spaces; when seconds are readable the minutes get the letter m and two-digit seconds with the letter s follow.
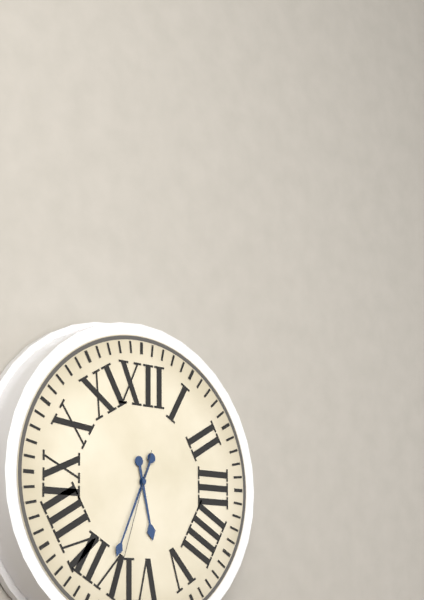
5h34m33s
